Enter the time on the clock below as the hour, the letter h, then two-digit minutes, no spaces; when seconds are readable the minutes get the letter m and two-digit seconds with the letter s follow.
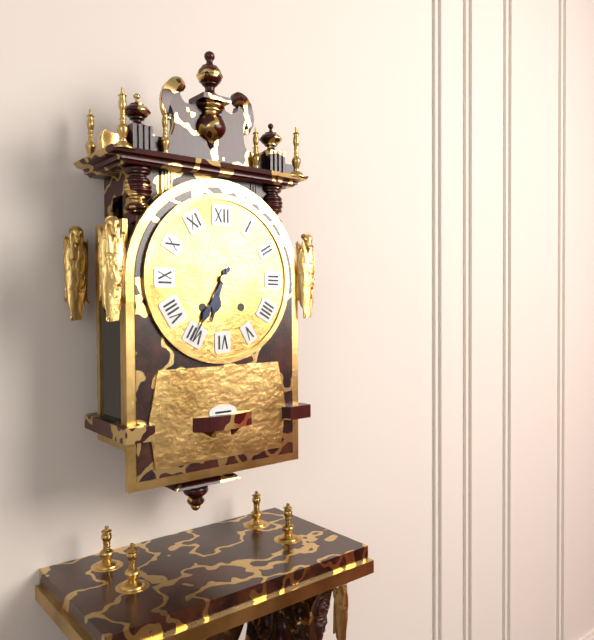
6h35
